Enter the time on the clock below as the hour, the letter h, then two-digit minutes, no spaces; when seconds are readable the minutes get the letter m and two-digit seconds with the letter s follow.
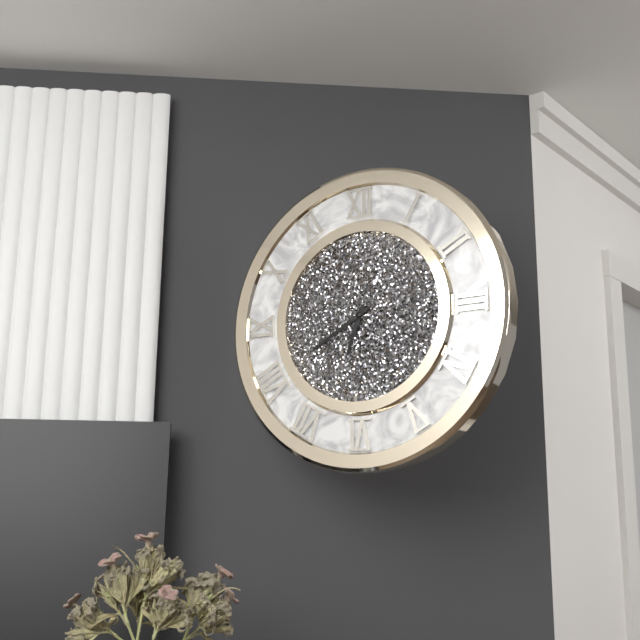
6h40
